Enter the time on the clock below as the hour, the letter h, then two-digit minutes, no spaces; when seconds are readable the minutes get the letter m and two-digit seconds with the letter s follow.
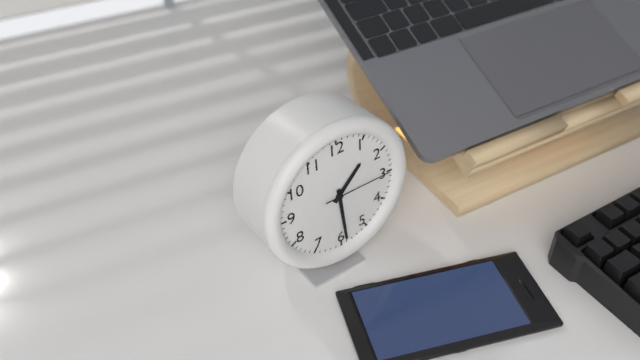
1h29m15s
